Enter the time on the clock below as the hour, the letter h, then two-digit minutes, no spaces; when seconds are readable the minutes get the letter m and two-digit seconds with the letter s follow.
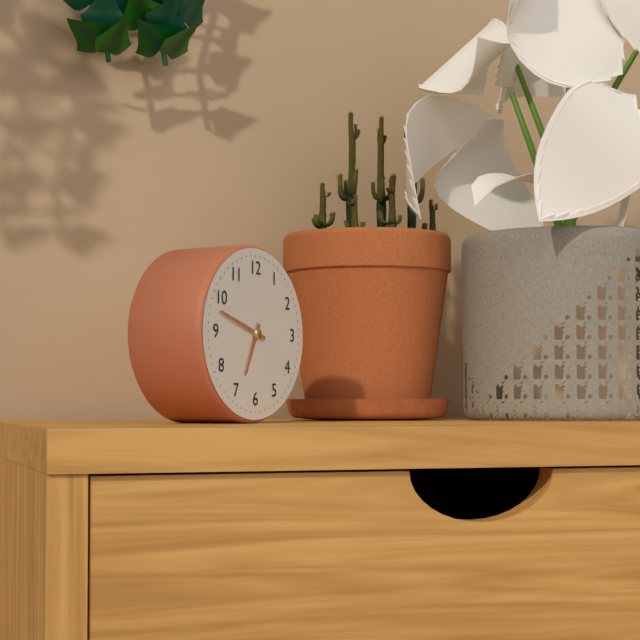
6h48
